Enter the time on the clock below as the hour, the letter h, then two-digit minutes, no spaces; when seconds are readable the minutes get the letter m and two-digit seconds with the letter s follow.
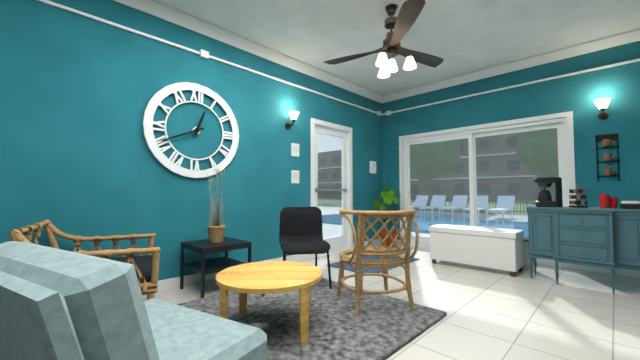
12h41
